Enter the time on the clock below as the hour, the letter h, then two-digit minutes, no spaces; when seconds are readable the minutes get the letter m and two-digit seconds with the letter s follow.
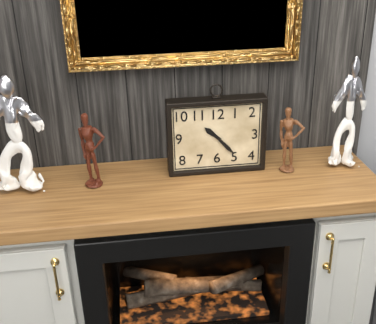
10h23
